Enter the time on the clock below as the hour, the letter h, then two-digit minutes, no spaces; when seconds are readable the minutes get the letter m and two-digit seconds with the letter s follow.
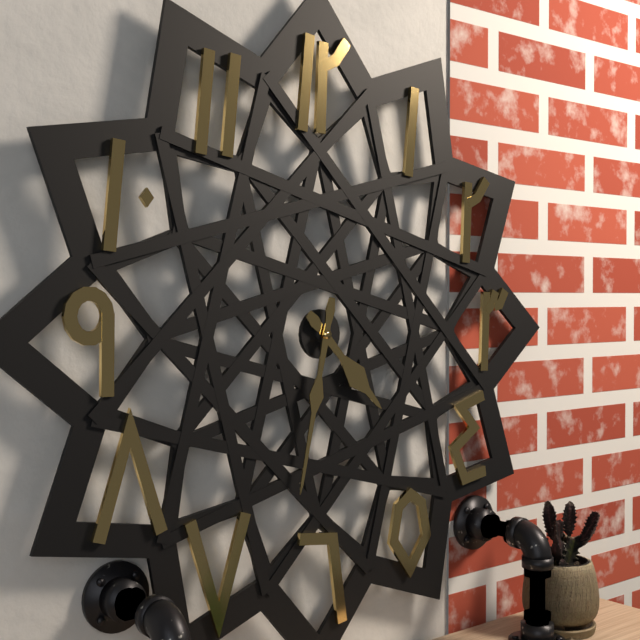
4h32
